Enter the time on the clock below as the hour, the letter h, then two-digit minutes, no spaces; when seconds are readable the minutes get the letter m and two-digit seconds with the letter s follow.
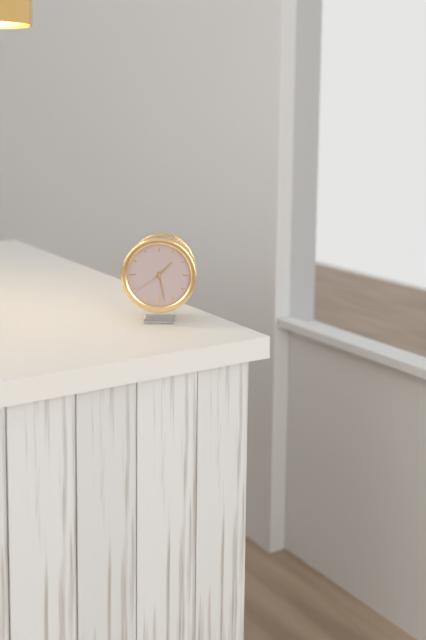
1h28
